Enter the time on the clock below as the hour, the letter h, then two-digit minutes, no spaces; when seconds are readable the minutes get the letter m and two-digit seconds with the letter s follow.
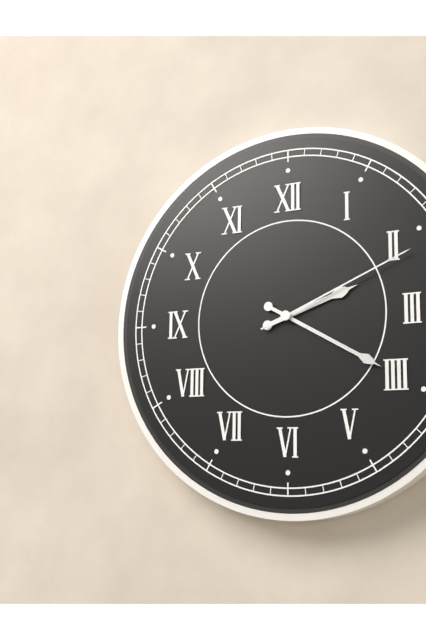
2h20m11s
